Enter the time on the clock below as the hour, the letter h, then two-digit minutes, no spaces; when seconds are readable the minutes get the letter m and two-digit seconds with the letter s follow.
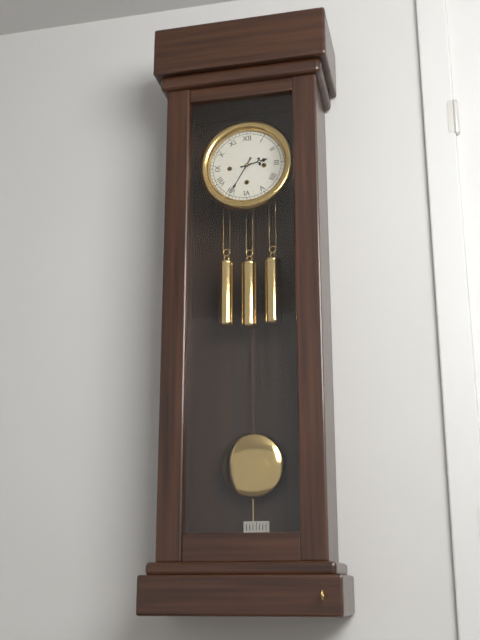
2h35
